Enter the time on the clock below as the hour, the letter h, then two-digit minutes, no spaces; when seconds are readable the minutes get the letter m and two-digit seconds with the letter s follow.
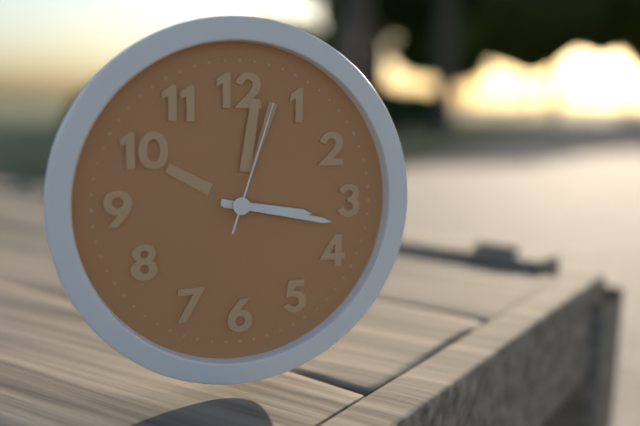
3h17m03s
